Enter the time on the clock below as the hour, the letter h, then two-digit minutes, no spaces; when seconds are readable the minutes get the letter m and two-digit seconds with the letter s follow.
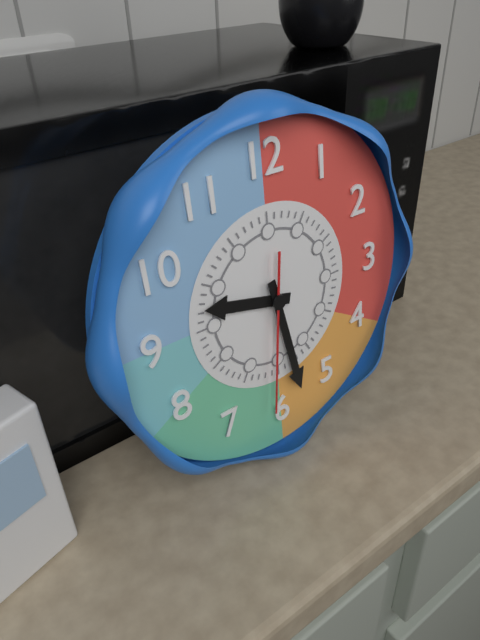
9h28m31s
